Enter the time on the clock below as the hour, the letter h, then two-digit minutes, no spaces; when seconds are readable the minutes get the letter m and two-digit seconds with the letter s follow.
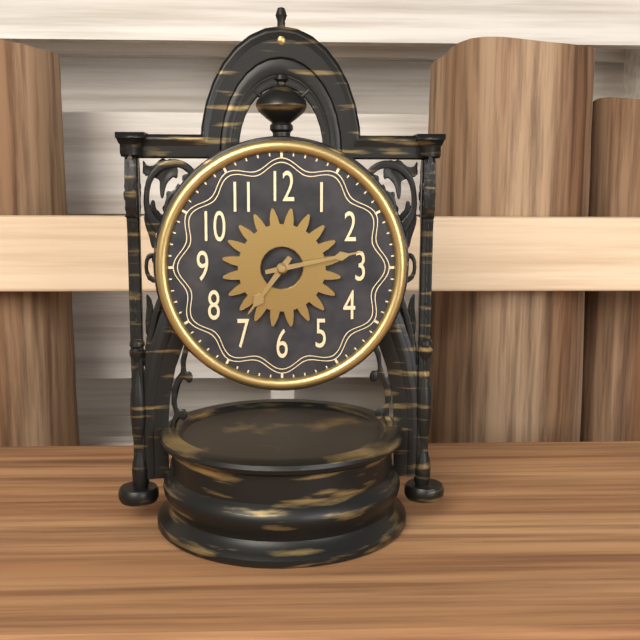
7h13
